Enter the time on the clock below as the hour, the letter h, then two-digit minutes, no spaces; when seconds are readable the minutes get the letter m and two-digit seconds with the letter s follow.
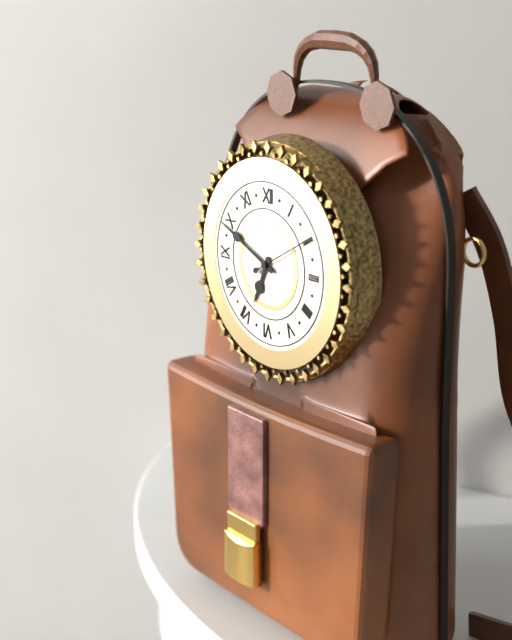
6h49m10s
